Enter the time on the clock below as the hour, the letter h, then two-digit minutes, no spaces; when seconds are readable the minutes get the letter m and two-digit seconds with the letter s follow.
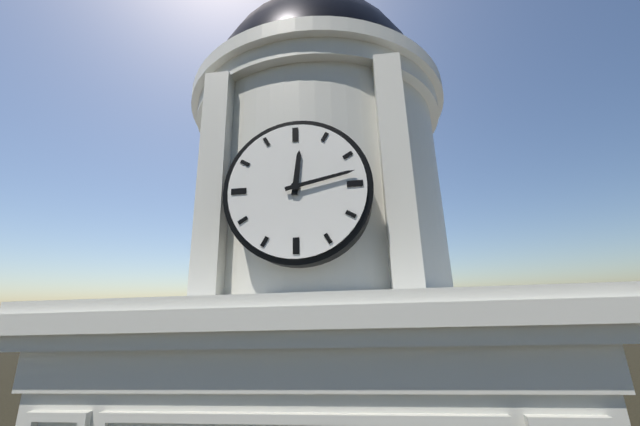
12h13
